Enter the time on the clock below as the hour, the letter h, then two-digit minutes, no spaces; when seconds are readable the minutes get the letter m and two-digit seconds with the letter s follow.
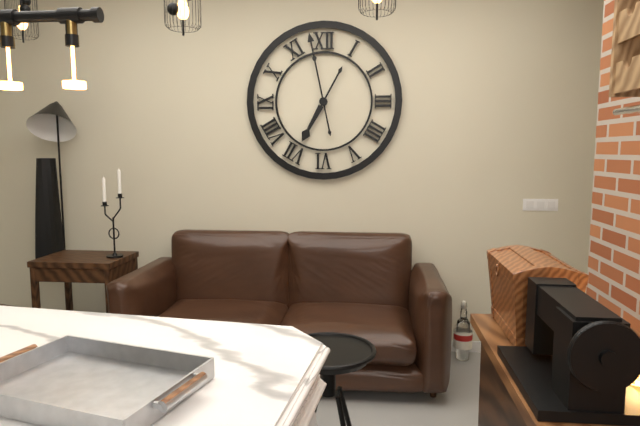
6h58
